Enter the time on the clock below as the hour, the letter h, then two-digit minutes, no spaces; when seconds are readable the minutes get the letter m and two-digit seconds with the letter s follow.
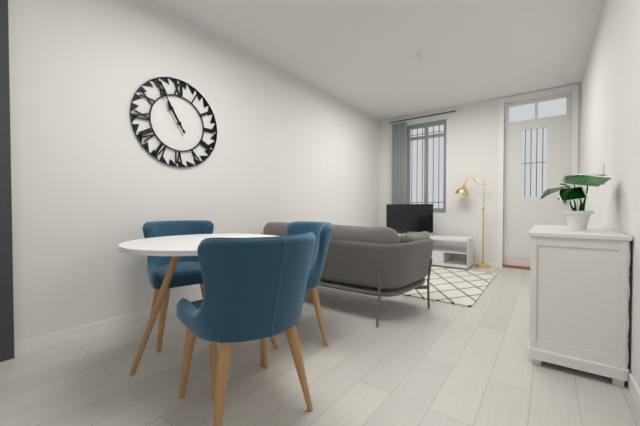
10h55
